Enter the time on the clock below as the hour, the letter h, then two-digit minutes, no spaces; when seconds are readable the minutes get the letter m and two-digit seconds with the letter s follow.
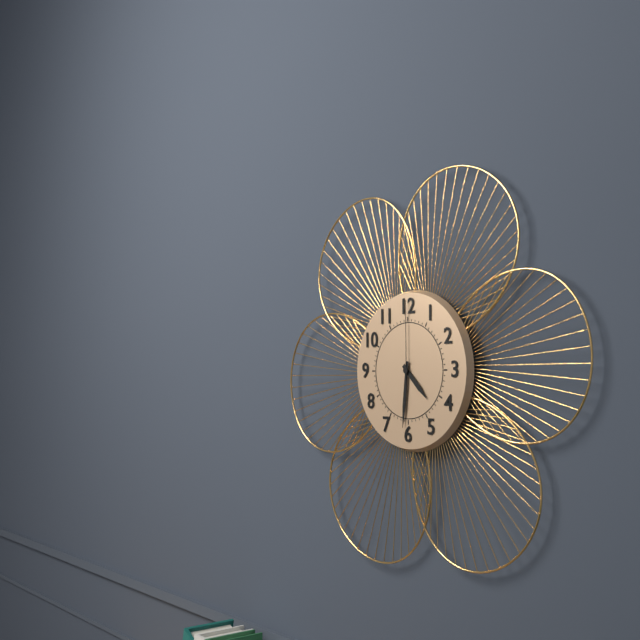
4h31m00s
